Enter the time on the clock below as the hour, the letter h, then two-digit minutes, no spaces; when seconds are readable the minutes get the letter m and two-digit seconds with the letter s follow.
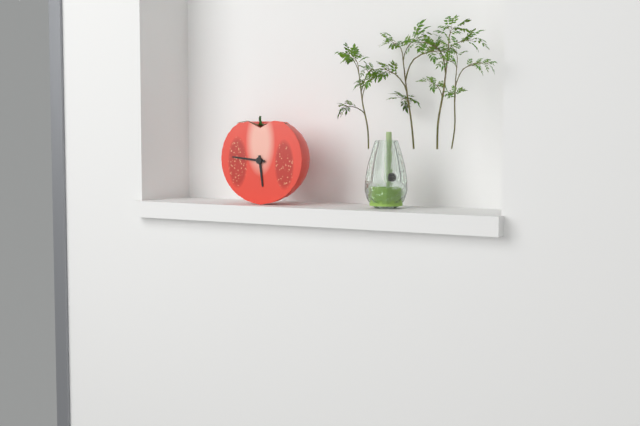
5h46
